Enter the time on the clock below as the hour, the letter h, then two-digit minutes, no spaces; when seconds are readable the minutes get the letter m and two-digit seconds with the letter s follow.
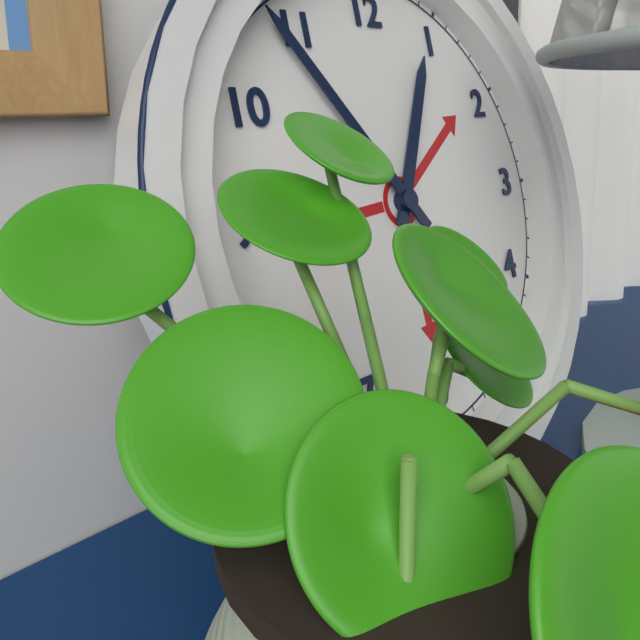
12h54
